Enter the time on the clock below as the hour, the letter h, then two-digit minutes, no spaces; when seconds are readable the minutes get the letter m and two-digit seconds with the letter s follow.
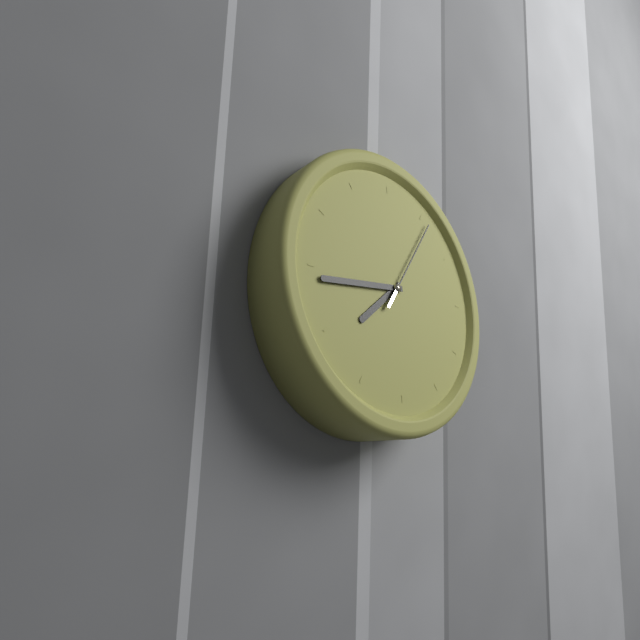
7h44m06s
